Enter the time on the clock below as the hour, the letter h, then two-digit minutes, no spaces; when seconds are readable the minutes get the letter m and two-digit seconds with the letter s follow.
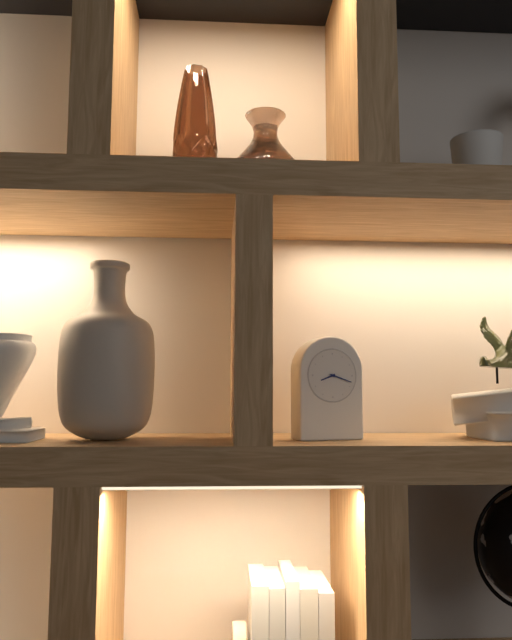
8h18
